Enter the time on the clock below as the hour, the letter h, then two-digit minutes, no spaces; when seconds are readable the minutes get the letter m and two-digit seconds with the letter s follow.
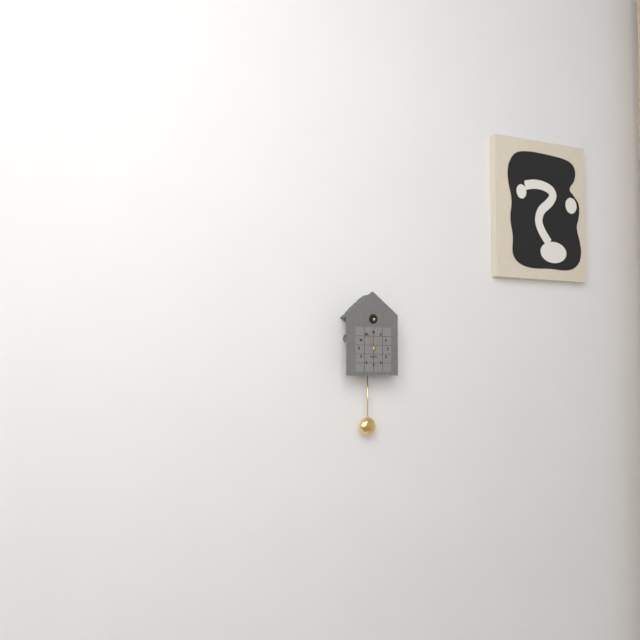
12h56
